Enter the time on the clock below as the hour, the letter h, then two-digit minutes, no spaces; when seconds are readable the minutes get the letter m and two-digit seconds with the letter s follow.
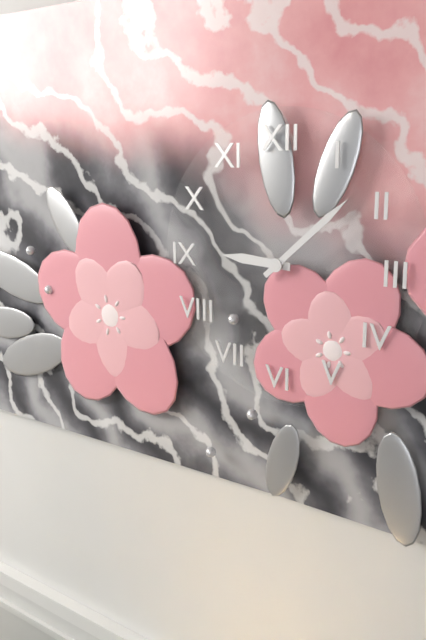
9h08
